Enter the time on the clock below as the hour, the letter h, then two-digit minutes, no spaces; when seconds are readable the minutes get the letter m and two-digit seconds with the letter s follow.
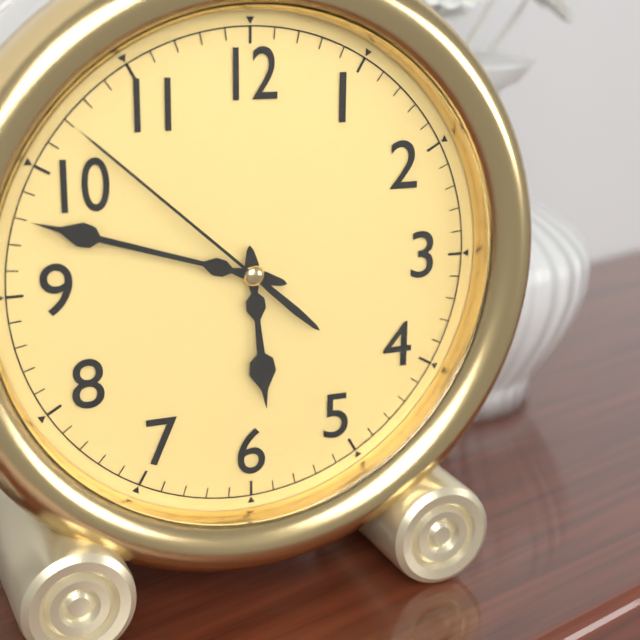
5h48m52s
